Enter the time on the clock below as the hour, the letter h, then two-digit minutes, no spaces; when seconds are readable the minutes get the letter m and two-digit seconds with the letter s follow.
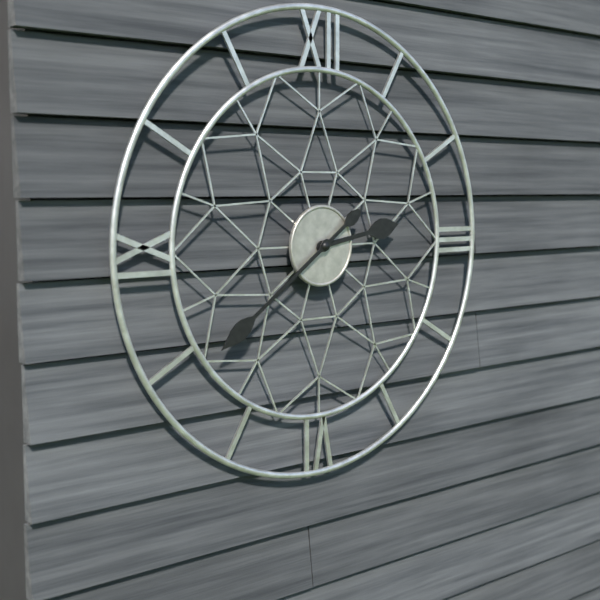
2h39
